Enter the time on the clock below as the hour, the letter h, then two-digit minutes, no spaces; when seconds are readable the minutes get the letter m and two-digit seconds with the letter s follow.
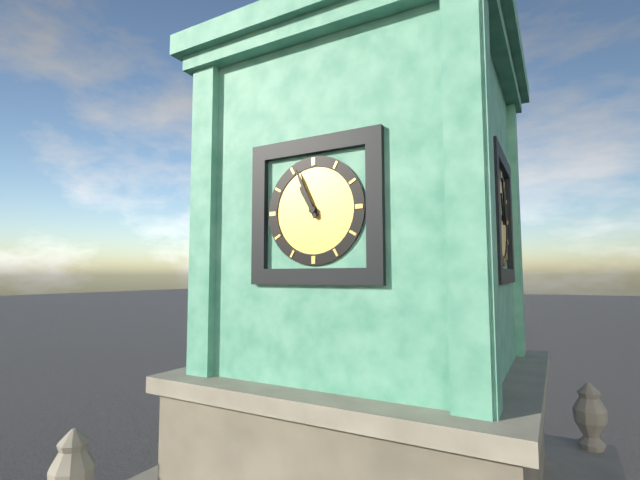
10h56
